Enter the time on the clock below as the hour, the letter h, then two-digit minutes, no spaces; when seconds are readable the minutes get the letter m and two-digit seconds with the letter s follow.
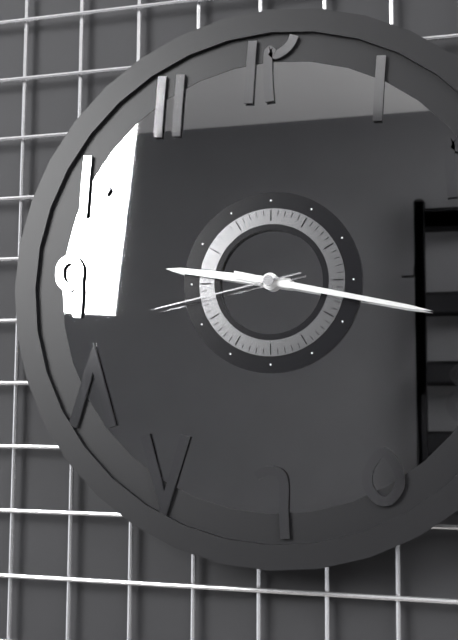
9h17m43s
